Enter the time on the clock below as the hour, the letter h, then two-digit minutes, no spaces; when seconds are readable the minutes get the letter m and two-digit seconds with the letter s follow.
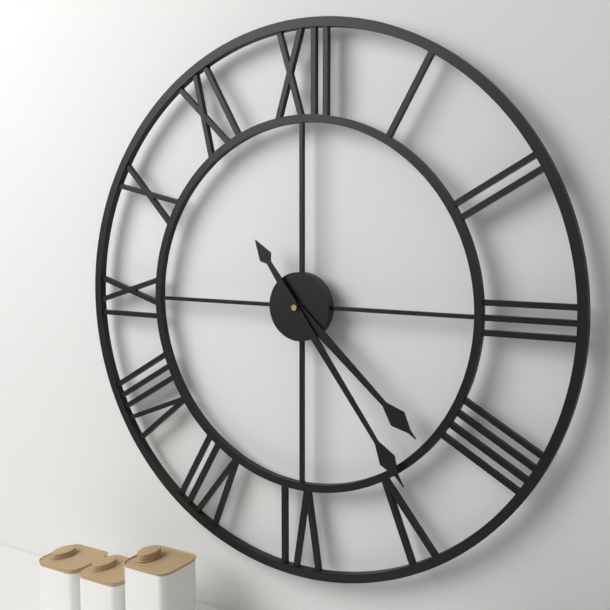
4h24
